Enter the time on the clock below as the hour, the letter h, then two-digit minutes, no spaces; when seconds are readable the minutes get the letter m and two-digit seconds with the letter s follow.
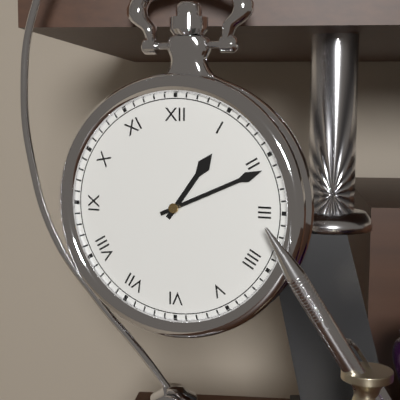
1h11
